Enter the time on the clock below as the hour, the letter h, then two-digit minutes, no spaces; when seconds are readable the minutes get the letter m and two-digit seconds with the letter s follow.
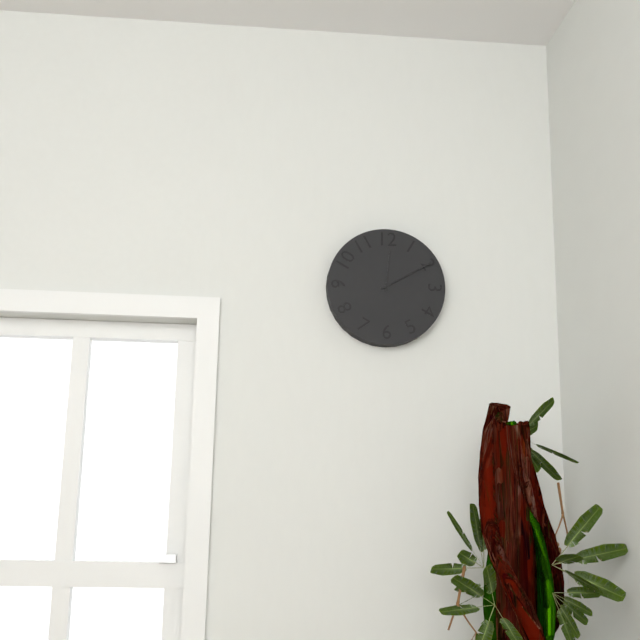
12h10
